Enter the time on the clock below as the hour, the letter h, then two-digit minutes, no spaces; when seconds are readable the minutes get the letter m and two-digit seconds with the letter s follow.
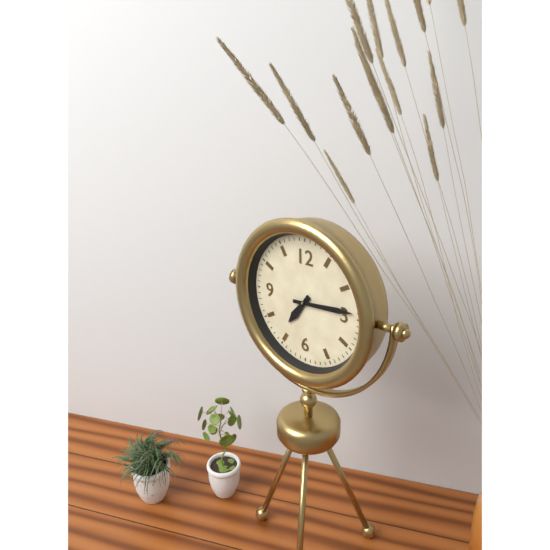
7h14
